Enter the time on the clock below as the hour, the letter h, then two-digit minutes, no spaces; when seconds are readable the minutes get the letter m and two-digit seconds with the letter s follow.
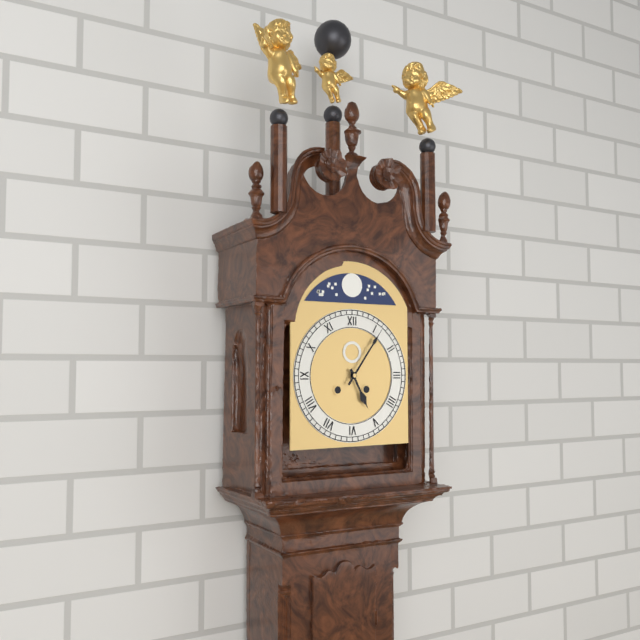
5h06
